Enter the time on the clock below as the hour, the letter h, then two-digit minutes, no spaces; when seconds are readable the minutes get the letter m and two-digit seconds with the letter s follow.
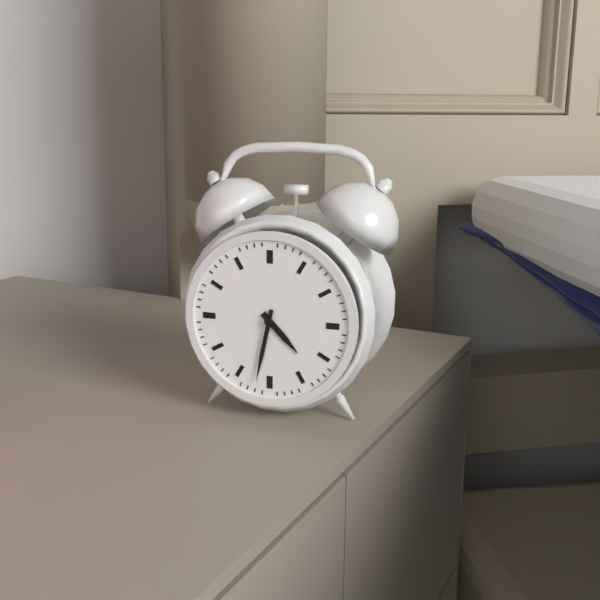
4h32
